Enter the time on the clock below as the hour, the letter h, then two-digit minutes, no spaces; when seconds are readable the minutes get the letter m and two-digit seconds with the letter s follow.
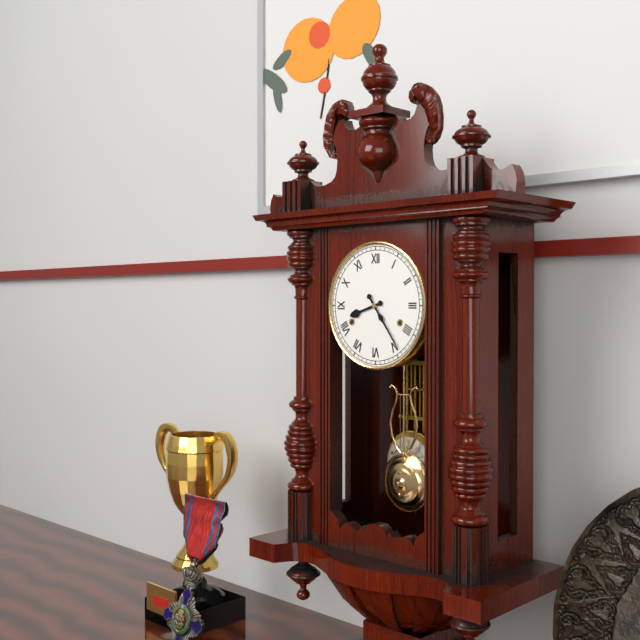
8h24
